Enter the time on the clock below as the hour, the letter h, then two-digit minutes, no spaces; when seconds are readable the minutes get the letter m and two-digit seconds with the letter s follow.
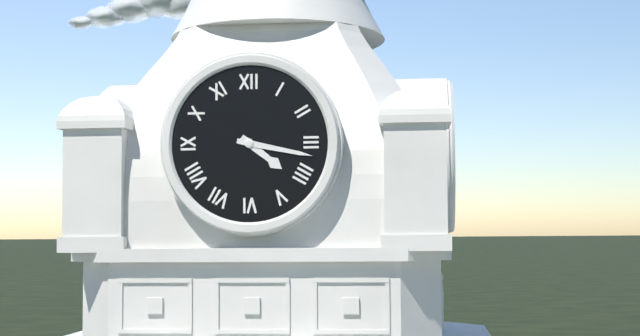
4h17
